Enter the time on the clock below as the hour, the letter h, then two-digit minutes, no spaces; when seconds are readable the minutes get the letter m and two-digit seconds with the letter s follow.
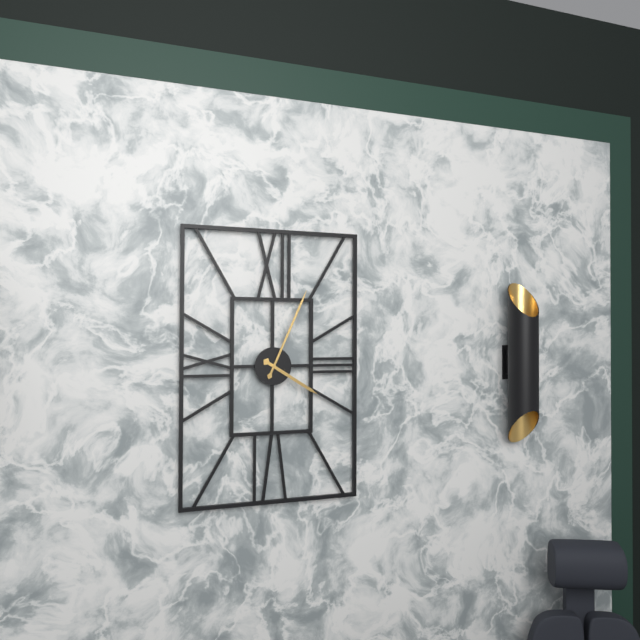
4h04
